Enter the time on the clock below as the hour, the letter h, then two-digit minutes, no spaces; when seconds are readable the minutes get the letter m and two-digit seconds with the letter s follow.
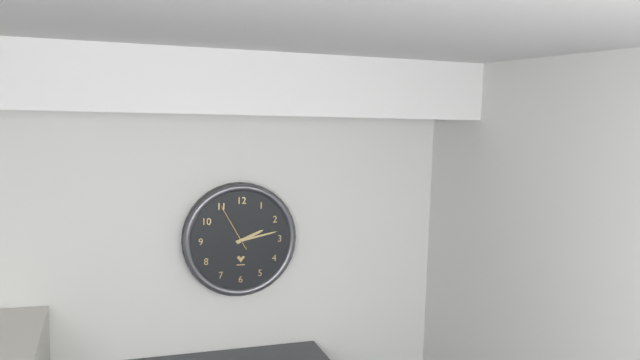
2h13m55s
